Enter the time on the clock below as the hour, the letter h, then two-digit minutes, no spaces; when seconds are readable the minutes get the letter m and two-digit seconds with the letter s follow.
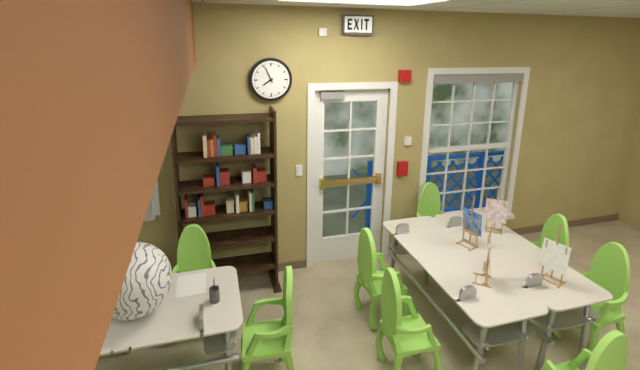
7h56
